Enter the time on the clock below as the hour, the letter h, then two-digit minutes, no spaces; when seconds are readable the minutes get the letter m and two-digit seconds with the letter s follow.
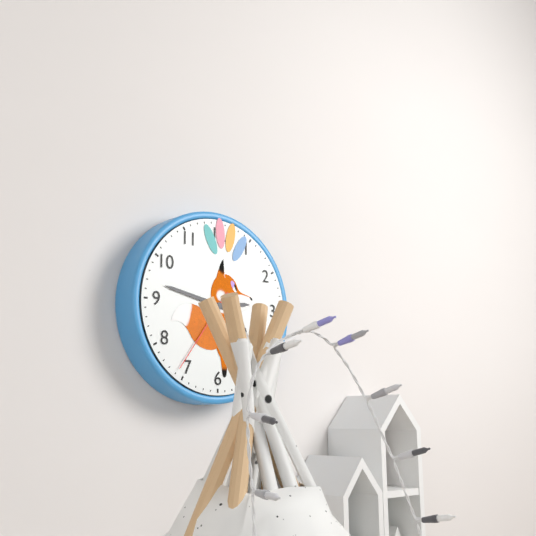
2h47m36s
